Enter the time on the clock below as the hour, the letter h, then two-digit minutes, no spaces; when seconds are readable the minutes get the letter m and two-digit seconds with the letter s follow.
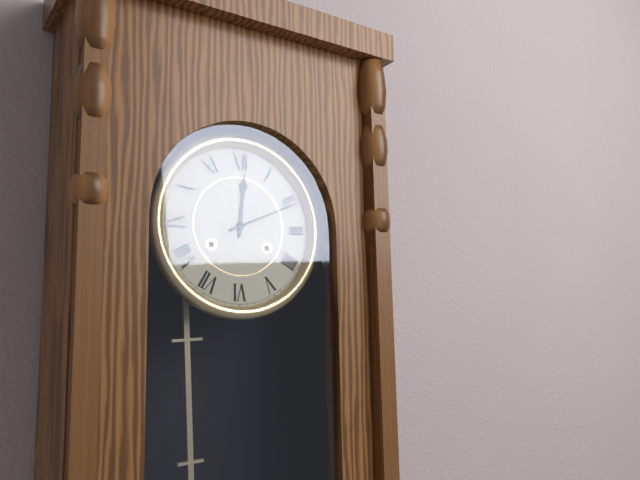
12h11
